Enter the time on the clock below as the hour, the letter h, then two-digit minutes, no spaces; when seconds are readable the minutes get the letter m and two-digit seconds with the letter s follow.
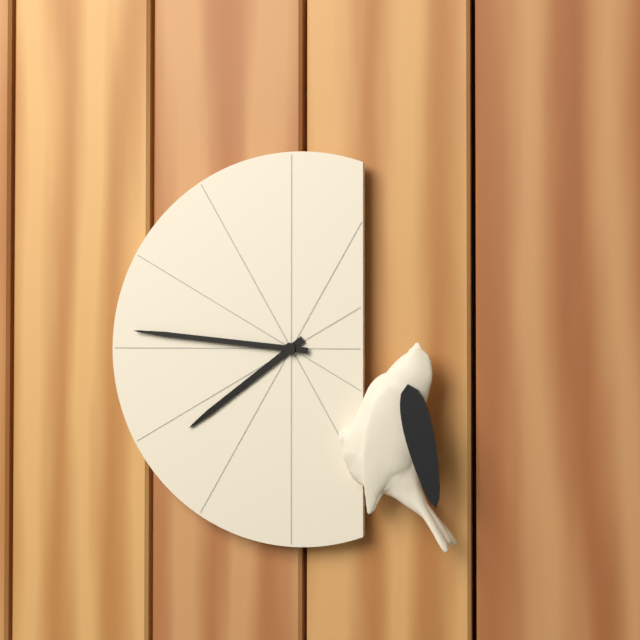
7h46
